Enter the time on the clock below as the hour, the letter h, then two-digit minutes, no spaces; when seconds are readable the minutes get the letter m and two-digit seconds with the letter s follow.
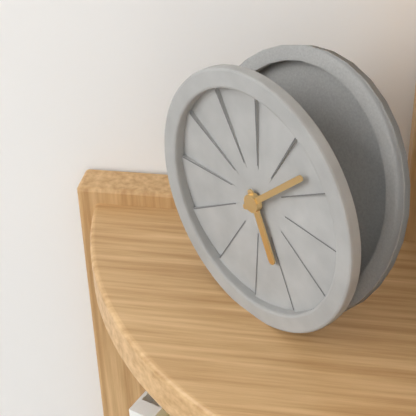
5h08
